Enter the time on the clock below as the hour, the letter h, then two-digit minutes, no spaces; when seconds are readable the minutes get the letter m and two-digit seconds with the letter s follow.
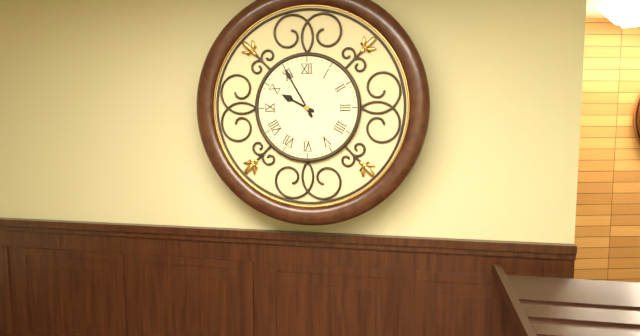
9h55
